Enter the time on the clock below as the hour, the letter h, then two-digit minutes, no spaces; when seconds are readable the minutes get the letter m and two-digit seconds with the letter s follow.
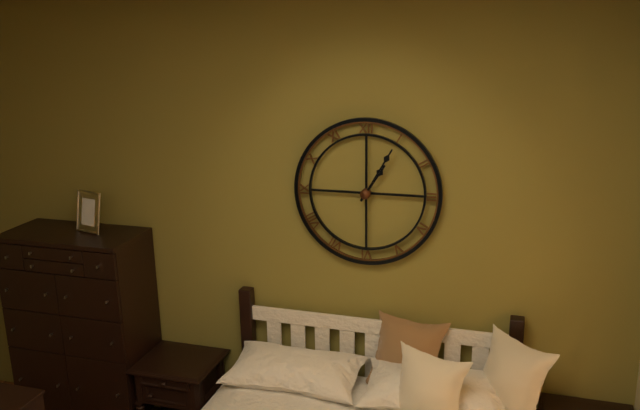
1h05
